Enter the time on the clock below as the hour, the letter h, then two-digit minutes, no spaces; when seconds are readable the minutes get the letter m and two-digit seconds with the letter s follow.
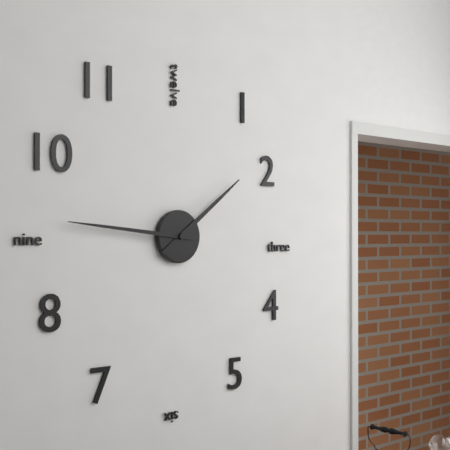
1h46
